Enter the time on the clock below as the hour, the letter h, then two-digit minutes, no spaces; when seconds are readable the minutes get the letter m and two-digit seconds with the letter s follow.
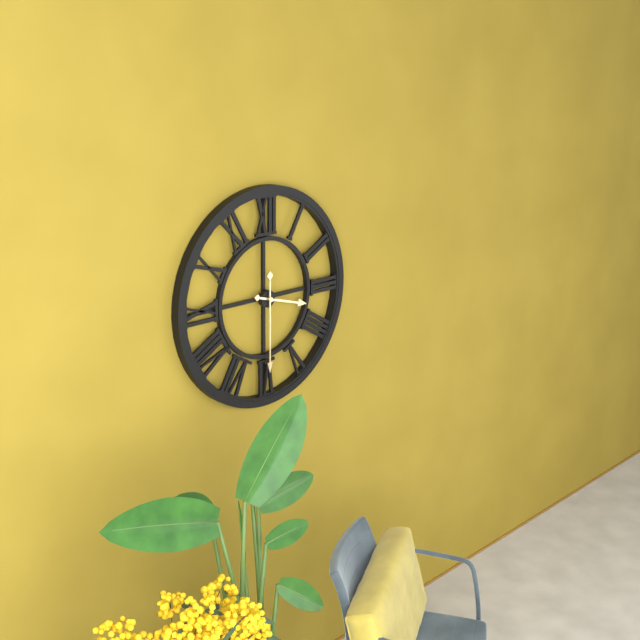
3h30
